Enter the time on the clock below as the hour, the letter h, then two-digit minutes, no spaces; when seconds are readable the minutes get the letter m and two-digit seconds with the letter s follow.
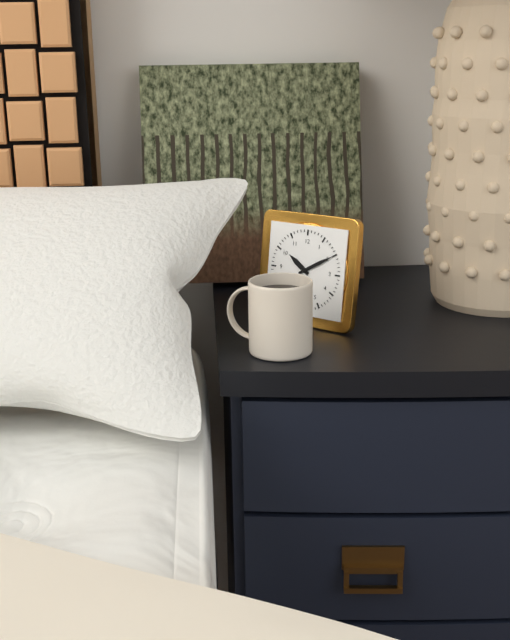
10h10
